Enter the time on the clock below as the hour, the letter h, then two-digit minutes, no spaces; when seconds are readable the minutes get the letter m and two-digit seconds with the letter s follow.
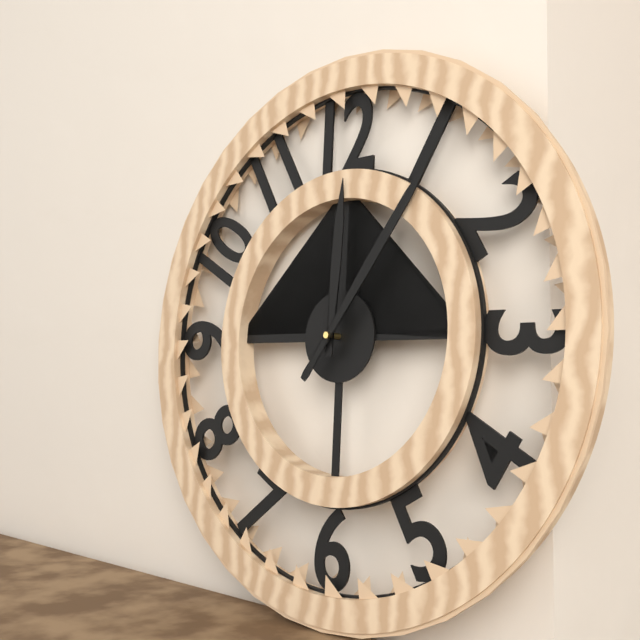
12h06
